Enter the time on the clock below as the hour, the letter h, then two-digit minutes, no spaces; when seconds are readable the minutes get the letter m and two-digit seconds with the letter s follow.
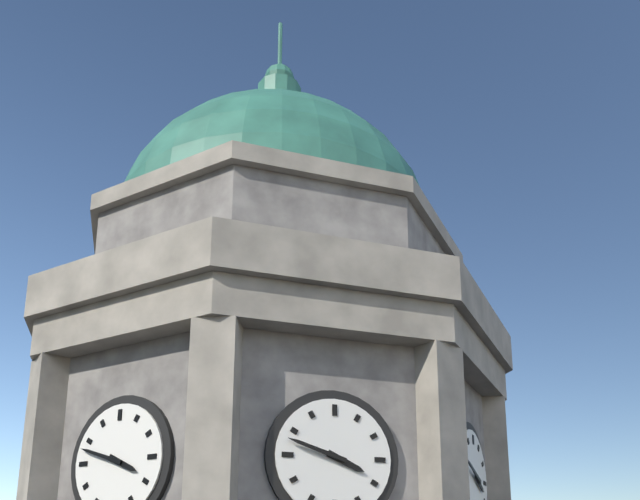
3h48
